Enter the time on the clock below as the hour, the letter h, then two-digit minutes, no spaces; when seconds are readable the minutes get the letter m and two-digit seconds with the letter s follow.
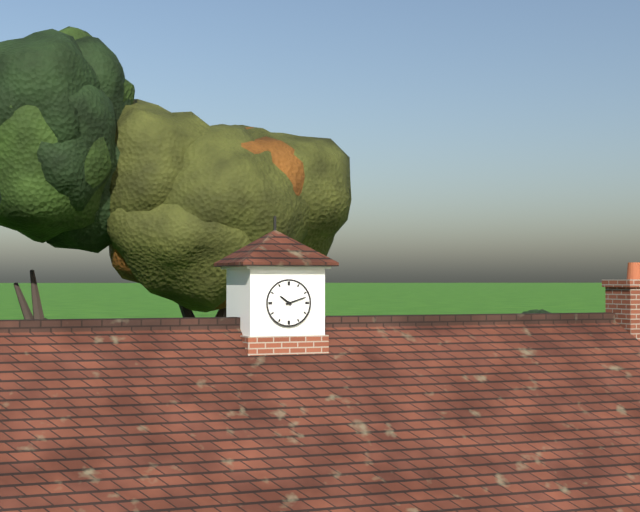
10h12
